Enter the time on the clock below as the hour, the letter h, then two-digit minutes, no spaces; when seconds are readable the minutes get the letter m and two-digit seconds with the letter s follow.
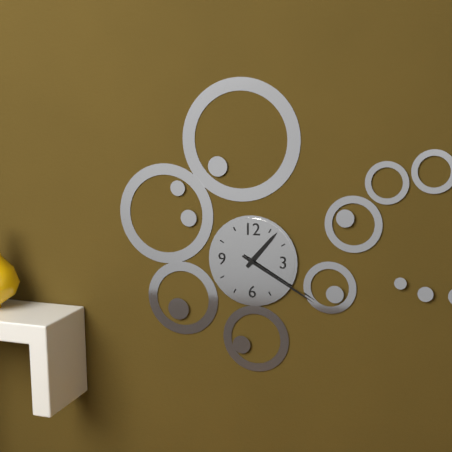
1h20
